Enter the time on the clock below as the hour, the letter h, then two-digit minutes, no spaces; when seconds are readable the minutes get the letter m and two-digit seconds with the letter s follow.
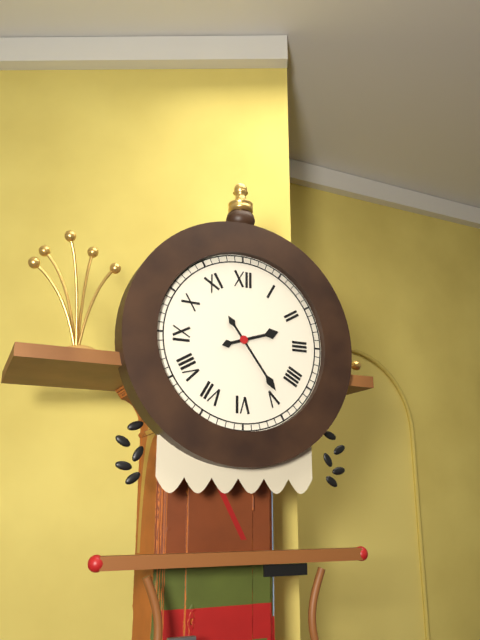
2h24
